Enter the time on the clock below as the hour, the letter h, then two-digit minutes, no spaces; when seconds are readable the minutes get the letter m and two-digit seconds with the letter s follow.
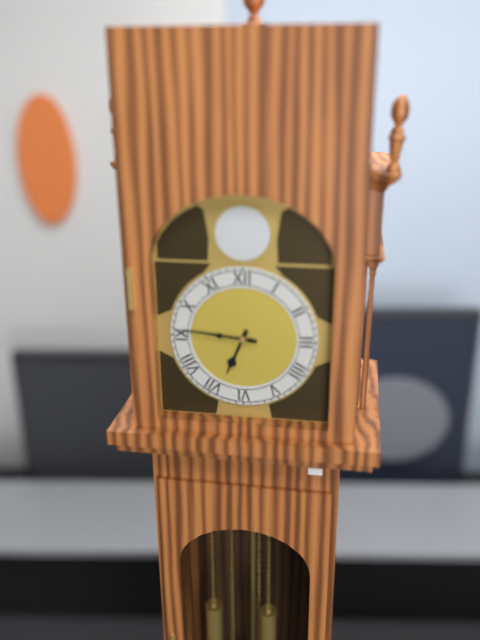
6h46
